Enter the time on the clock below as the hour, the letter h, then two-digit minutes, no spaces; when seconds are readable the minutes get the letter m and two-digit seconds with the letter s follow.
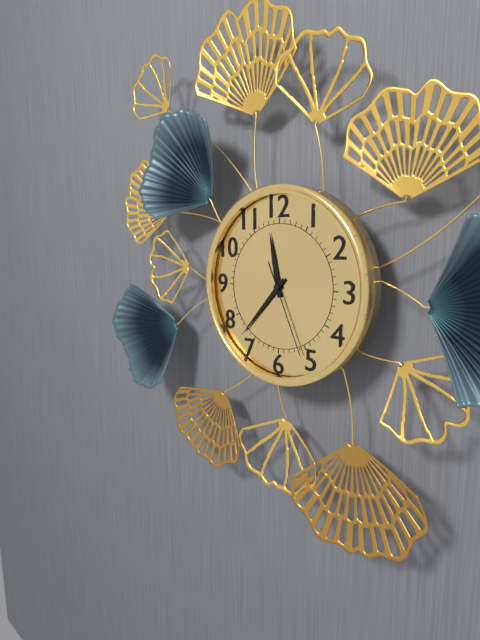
11h37m26s
